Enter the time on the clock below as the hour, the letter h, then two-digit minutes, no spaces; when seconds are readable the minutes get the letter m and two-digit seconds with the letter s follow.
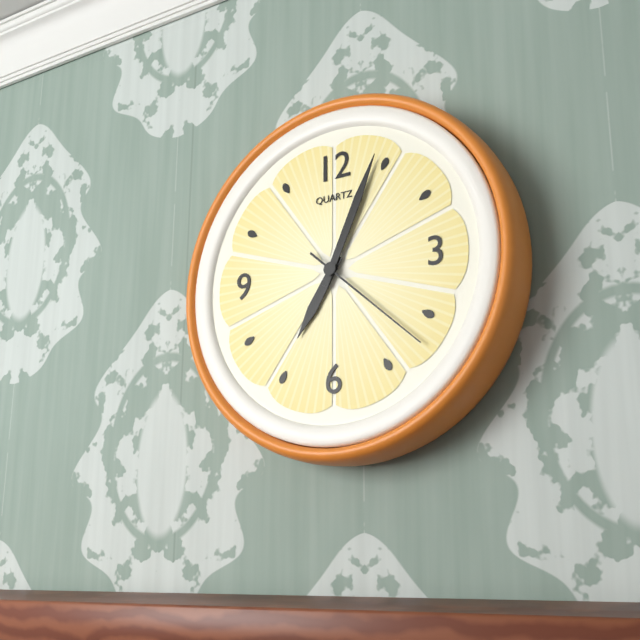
7h04m22s
